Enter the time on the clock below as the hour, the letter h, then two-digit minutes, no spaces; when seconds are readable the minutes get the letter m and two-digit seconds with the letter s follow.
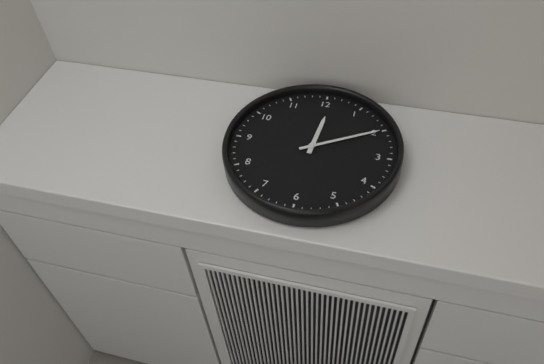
12h10
